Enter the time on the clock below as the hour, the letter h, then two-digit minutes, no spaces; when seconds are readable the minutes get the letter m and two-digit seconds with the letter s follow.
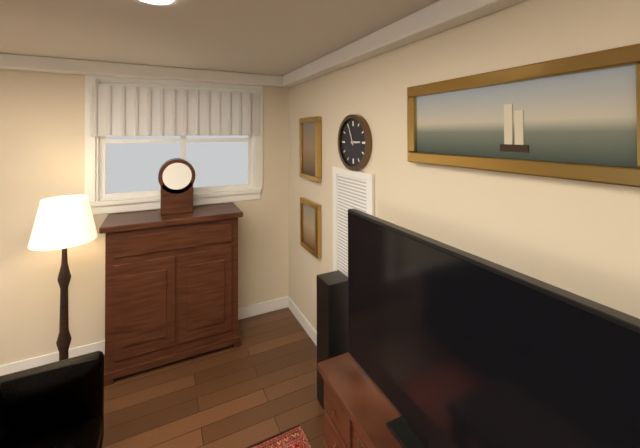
2h56
